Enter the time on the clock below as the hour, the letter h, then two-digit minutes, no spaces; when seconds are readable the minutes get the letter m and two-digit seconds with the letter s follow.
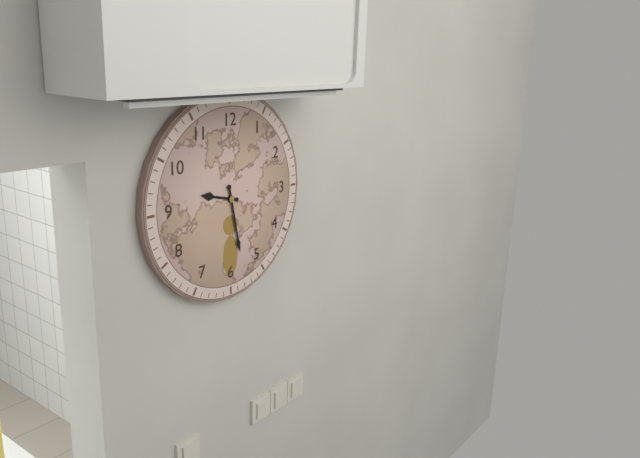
9h28
